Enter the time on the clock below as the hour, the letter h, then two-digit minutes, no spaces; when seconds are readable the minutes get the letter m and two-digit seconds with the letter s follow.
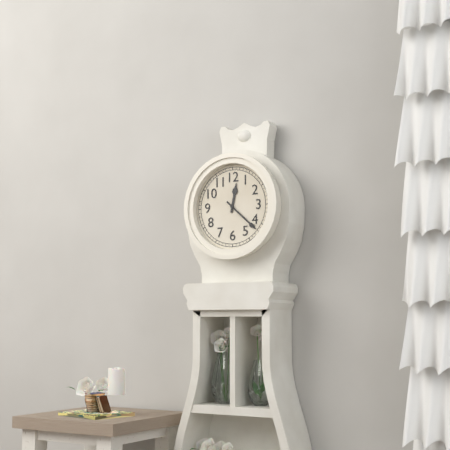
12h22
